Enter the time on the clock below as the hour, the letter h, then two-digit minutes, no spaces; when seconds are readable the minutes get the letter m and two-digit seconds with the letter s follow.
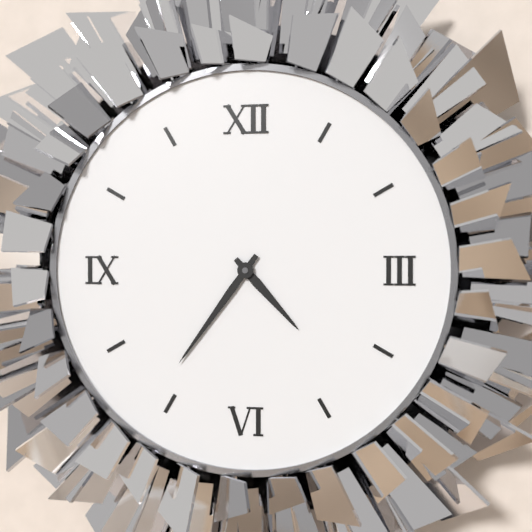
4h36
